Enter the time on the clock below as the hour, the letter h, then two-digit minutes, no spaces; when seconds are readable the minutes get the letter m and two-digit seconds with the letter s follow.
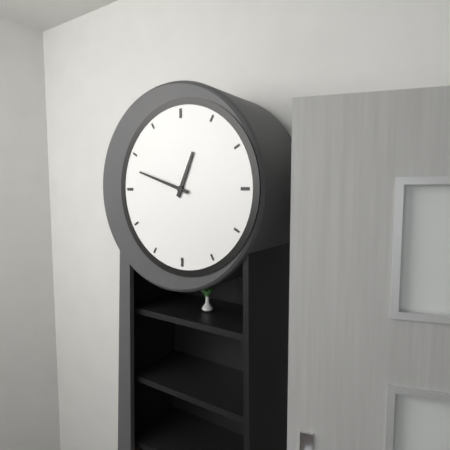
12h48
